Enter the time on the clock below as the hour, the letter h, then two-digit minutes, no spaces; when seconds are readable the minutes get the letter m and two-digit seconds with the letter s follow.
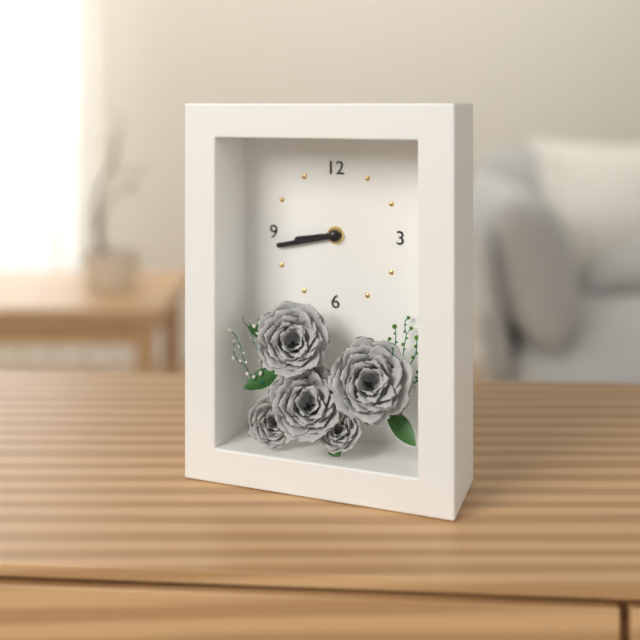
8h43
